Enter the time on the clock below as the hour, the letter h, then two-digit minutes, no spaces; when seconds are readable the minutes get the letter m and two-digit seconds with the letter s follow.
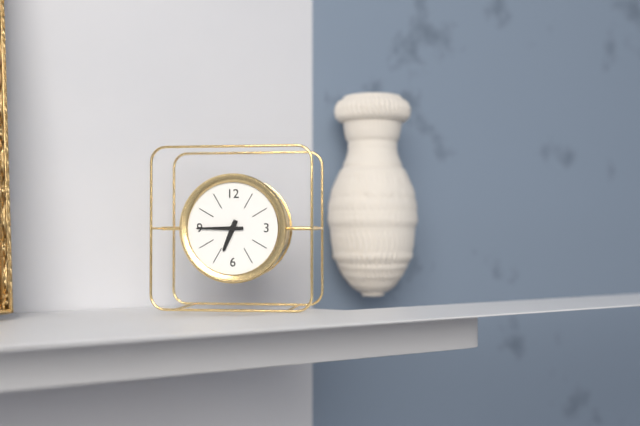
6h45
